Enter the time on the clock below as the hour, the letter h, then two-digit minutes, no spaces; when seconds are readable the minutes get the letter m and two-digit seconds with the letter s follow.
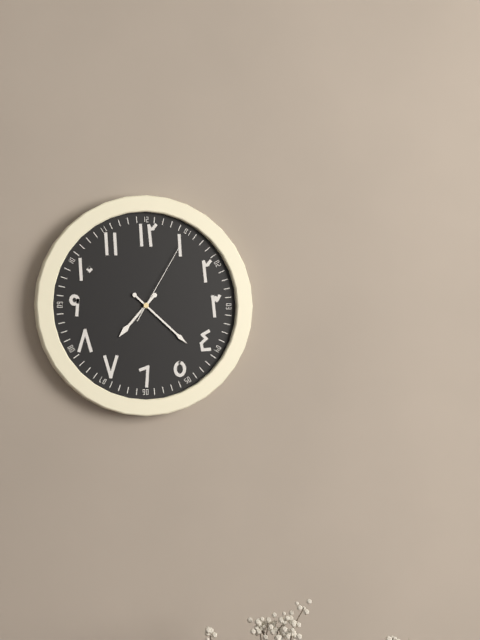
7h22m05s
